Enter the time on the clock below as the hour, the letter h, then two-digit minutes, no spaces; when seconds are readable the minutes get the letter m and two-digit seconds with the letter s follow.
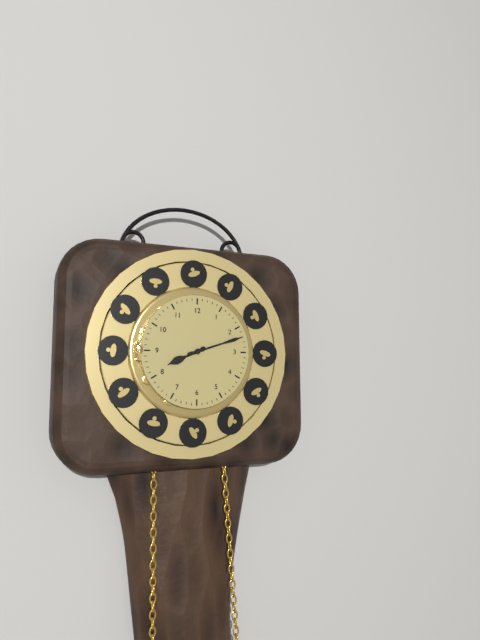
8h12
